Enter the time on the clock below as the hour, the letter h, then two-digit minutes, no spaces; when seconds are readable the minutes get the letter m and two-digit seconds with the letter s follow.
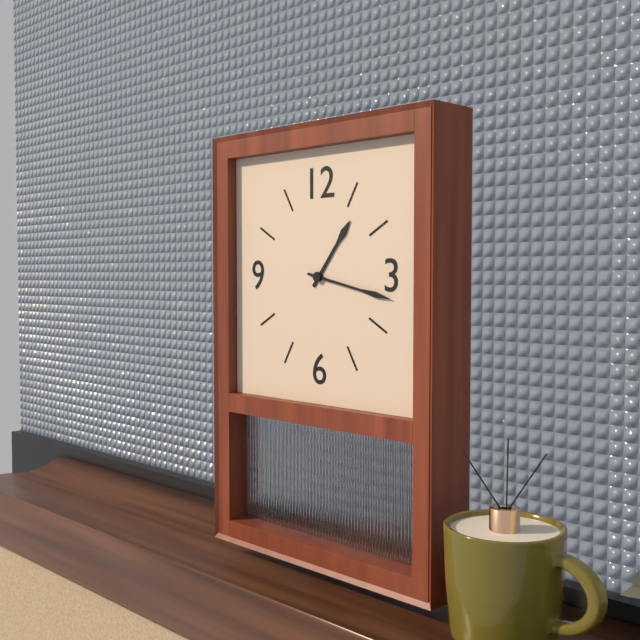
1h17
